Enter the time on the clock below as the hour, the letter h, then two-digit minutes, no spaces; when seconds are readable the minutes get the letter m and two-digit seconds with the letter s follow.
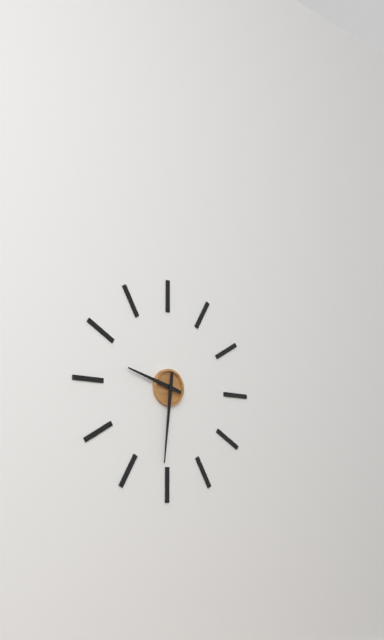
9h31
